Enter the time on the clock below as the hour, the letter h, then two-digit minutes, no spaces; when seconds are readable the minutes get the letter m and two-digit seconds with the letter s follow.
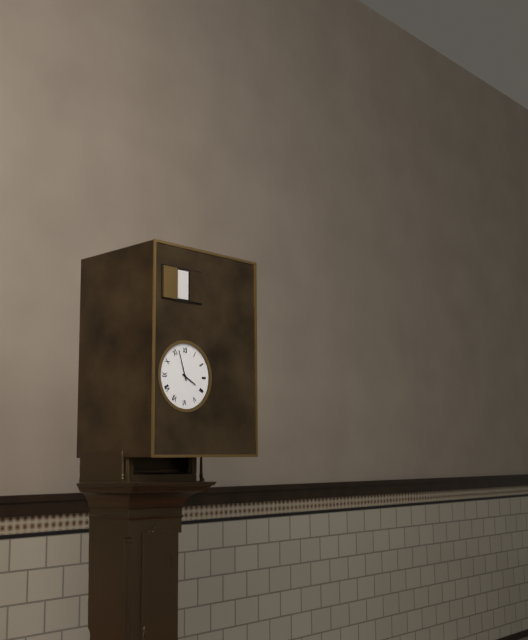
3h57
